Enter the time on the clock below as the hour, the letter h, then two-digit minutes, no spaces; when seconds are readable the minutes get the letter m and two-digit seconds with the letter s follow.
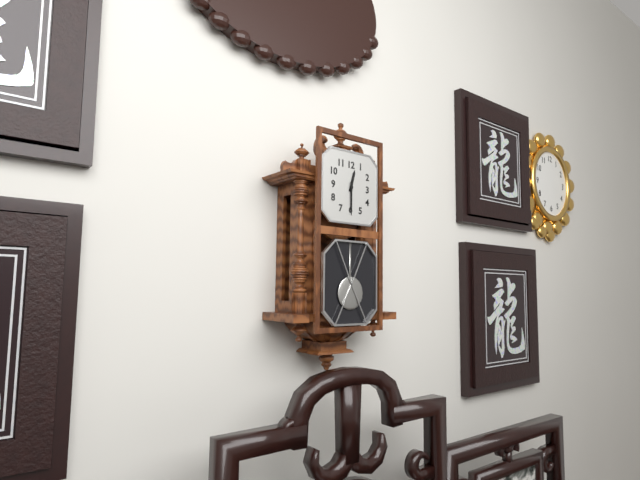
12h30
